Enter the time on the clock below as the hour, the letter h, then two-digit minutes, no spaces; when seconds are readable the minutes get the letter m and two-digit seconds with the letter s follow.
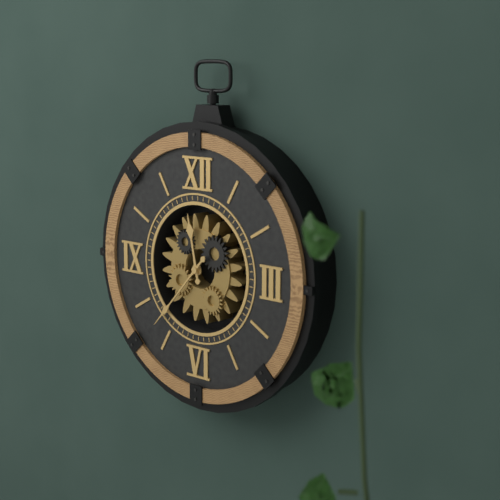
11h37
